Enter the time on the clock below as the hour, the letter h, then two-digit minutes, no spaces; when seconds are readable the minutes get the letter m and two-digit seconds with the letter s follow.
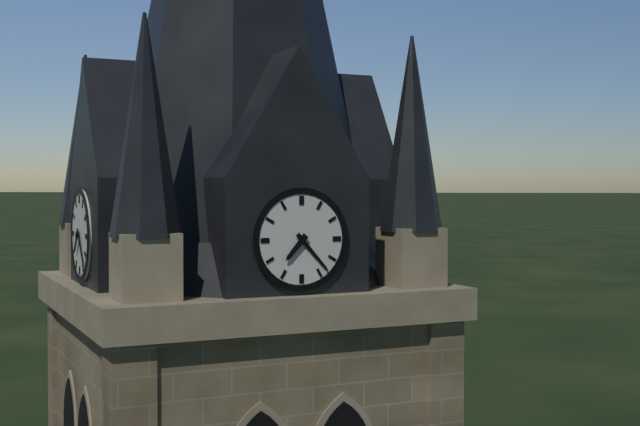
7h23
